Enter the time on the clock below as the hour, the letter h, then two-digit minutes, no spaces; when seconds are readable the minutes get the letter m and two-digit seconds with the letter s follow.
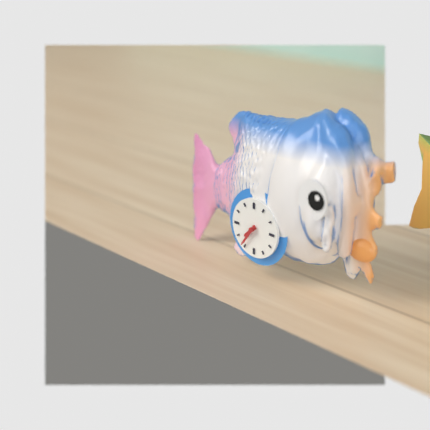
7h36
